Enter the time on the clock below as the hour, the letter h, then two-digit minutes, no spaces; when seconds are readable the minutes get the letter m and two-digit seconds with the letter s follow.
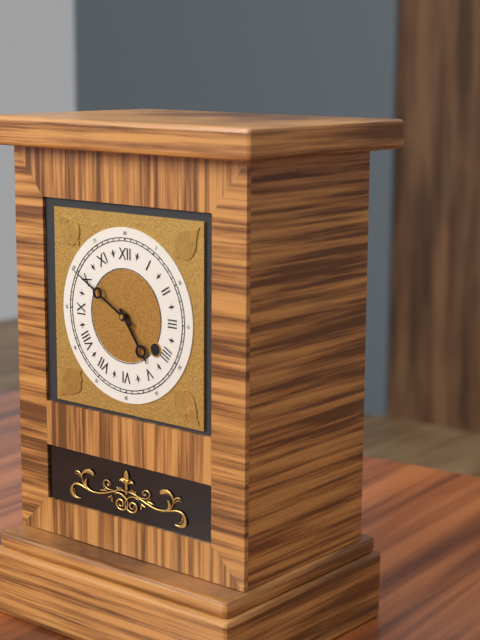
4h50
